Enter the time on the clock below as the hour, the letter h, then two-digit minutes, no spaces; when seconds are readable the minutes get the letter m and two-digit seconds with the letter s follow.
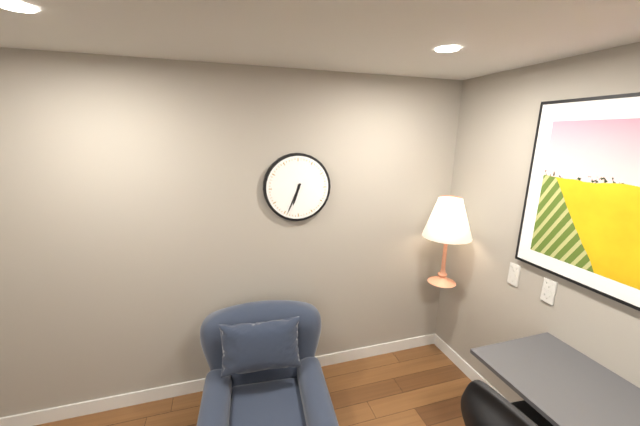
6h34
